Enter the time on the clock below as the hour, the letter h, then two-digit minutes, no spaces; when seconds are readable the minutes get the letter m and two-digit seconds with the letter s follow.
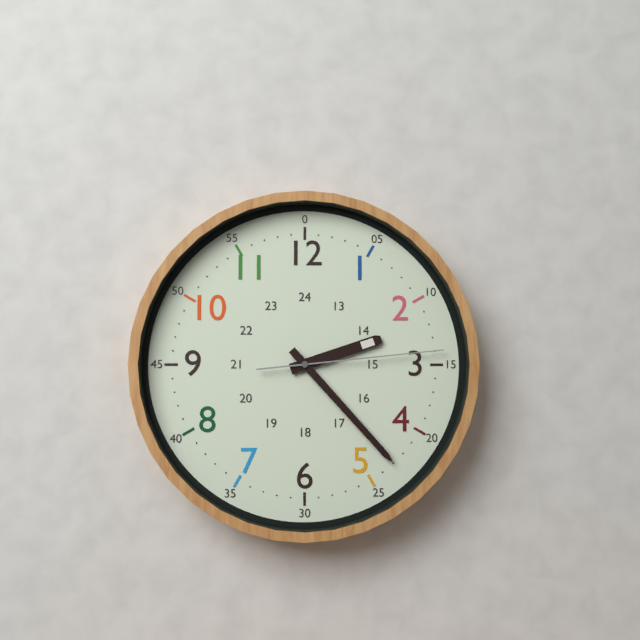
2h23m14s
